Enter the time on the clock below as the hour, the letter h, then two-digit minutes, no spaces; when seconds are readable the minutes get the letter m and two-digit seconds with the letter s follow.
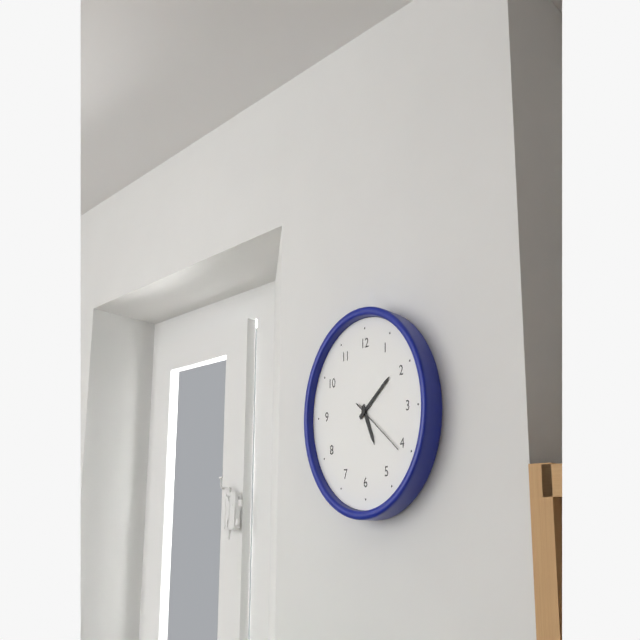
5h09m21s
